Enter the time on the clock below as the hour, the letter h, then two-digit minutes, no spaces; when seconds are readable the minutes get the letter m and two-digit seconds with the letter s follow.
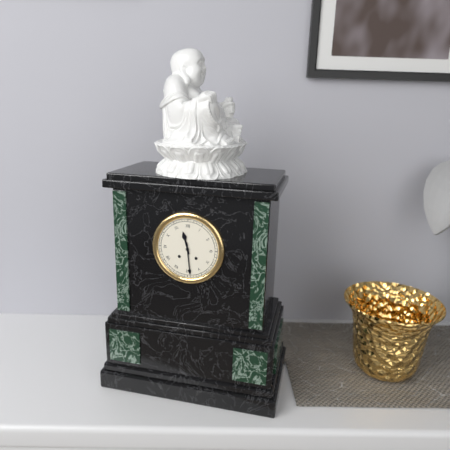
11h29
